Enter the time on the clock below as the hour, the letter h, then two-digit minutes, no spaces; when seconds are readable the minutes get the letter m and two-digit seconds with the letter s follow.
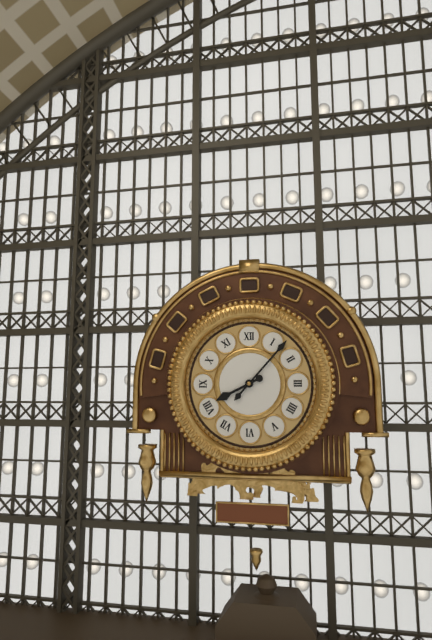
8h07
